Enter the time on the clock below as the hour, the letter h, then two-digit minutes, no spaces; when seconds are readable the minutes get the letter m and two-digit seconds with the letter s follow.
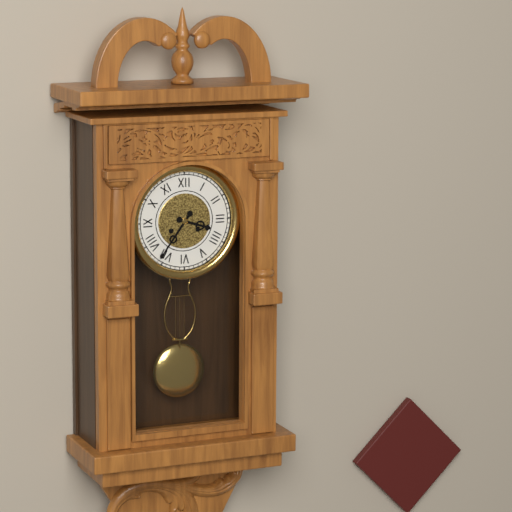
3h36
